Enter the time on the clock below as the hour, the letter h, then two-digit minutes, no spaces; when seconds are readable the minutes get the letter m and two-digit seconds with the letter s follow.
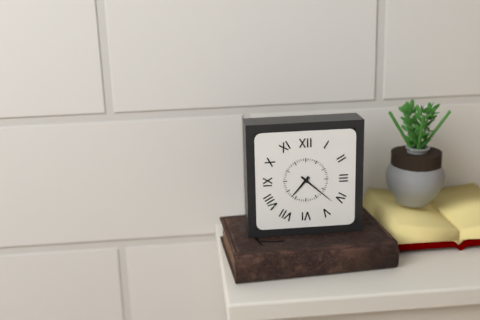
7h22
